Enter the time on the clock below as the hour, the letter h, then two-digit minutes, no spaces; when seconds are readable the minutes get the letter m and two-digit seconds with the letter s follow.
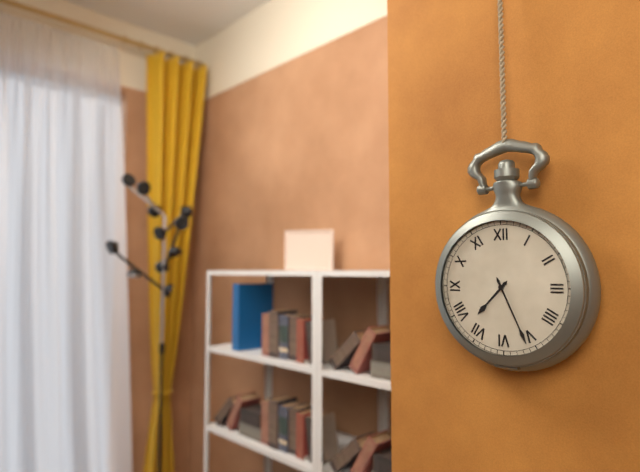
7h26
